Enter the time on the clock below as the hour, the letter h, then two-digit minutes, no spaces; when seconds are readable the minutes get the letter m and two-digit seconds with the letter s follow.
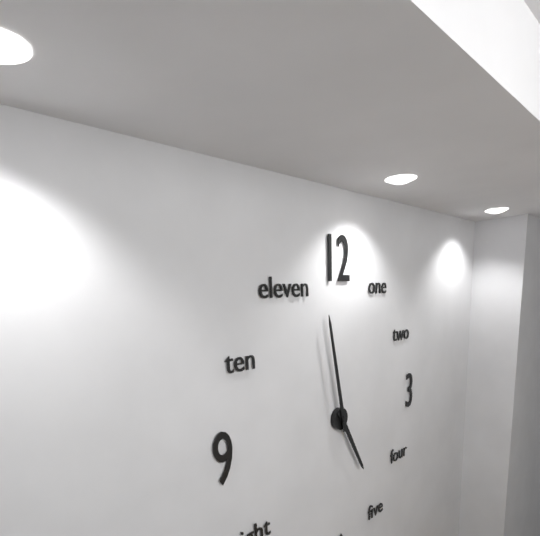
4h58
